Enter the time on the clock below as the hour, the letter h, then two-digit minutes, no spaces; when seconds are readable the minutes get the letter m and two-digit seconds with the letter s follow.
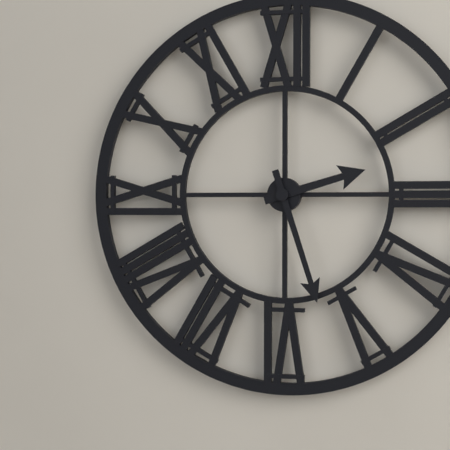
2h27
